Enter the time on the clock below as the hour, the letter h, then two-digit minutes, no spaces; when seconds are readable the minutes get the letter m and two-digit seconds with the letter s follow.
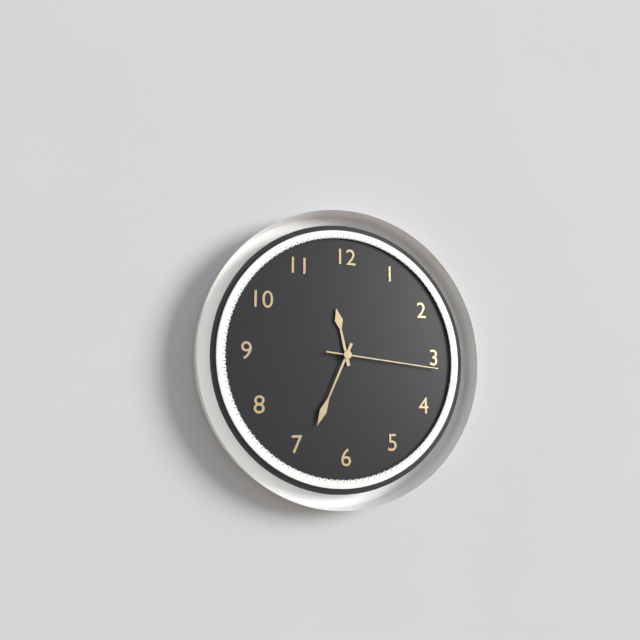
11h34m16s
